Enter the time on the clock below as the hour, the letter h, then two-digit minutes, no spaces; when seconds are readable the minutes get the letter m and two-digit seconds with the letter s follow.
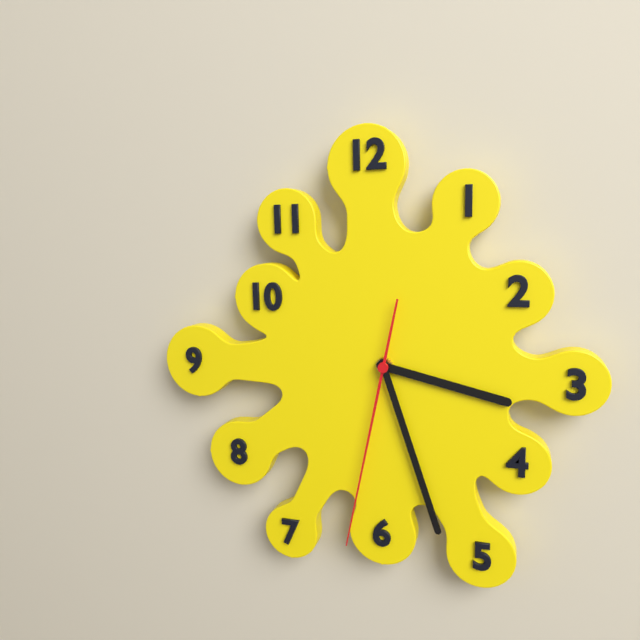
3h27m32s
